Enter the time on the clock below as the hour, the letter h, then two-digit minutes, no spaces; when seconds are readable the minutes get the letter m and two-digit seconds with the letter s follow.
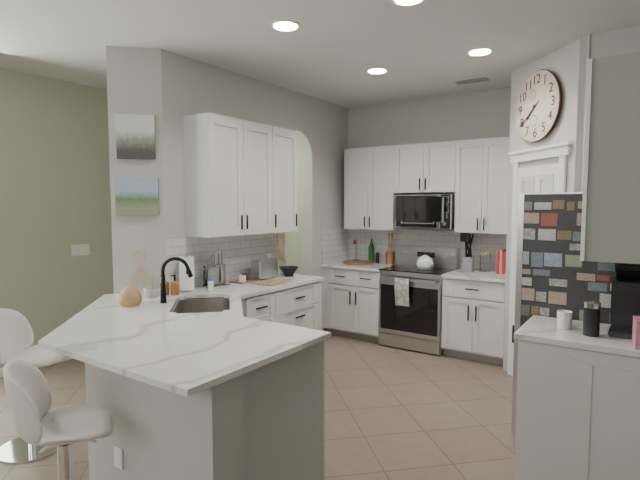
7h39
